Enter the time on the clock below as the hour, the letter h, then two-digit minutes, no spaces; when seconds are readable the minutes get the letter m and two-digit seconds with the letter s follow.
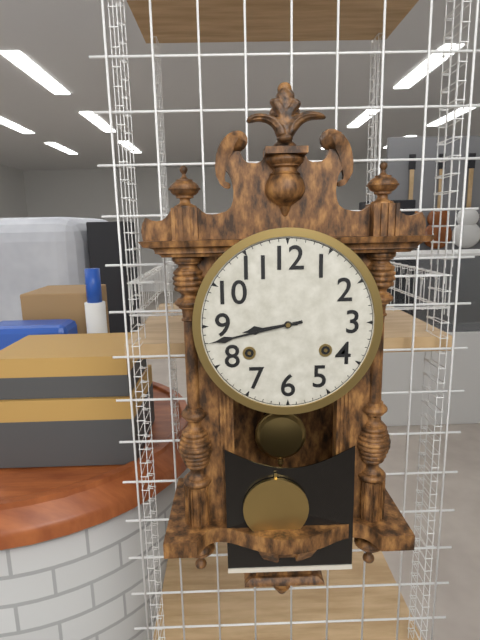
8h43
